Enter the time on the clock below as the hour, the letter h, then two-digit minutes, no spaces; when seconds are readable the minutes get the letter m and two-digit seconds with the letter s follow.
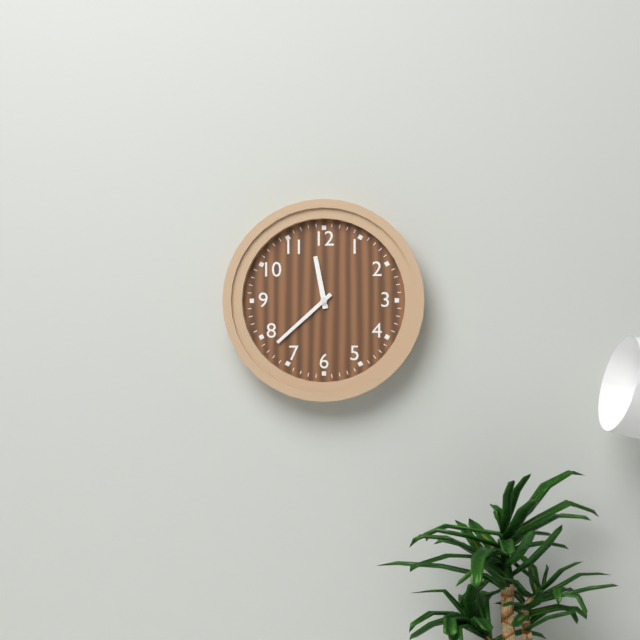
11h38
